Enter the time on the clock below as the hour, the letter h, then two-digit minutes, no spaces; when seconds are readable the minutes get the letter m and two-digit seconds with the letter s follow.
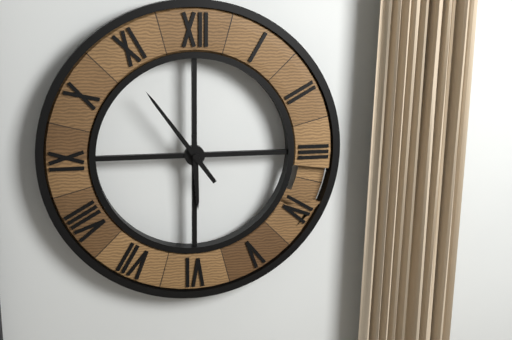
5h54
